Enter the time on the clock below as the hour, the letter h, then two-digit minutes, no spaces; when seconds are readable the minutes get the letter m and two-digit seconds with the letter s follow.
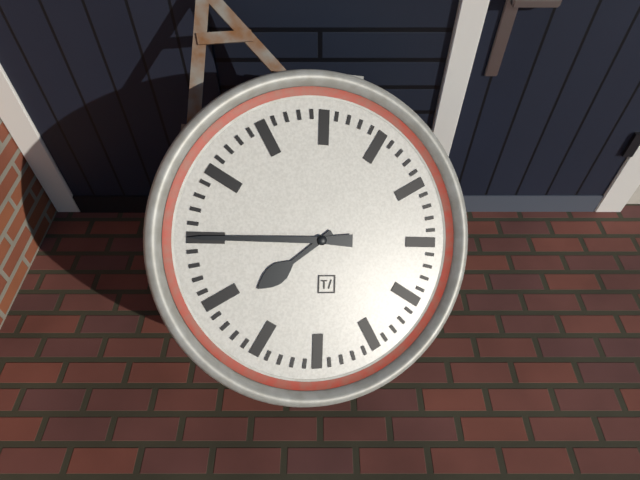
7h45
